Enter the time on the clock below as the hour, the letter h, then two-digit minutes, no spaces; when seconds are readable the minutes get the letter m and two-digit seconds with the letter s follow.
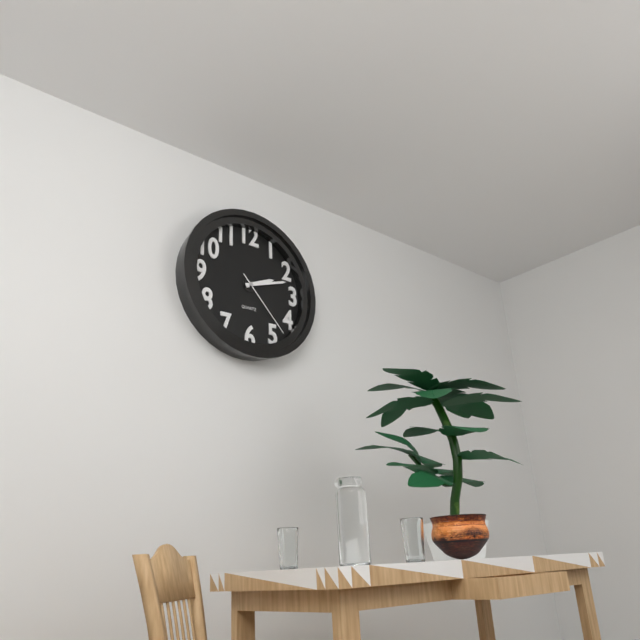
2h12m23s
